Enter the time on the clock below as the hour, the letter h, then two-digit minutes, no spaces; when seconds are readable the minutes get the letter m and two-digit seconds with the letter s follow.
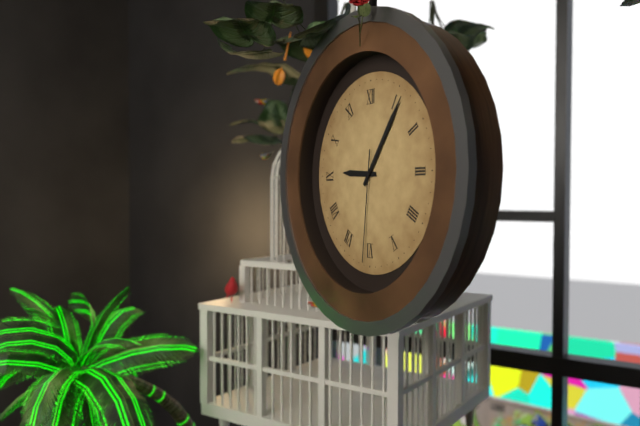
9h06m31s
